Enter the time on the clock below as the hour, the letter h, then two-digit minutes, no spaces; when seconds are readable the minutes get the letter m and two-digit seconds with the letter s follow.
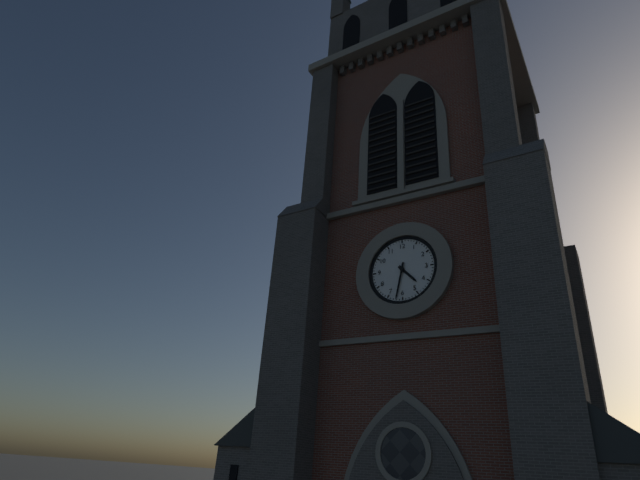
4h32
